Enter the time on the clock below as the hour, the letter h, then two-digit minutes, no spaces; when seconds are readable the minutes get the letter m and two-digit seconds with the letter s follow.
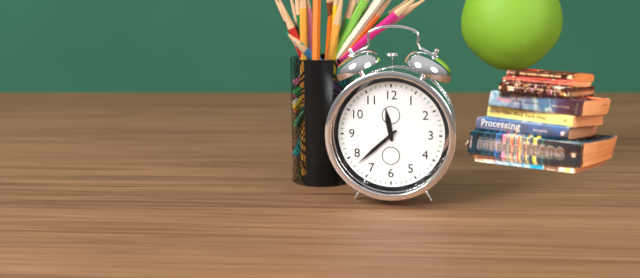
11h38
